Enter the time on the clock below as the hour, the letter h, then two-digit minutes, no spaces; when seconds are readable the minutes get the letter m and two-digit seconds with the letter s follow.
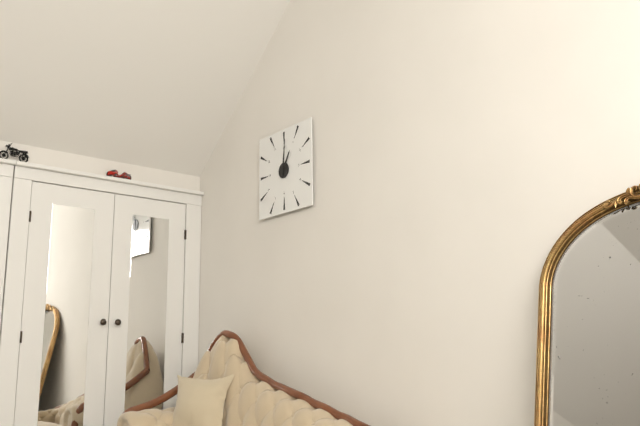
1h01
